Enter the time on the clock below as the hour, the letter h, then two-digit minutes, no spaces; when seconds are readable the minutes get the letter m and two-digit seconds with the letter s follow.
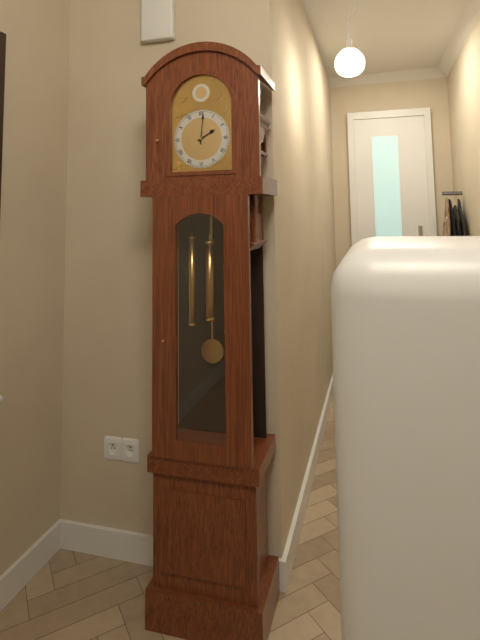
2h01
